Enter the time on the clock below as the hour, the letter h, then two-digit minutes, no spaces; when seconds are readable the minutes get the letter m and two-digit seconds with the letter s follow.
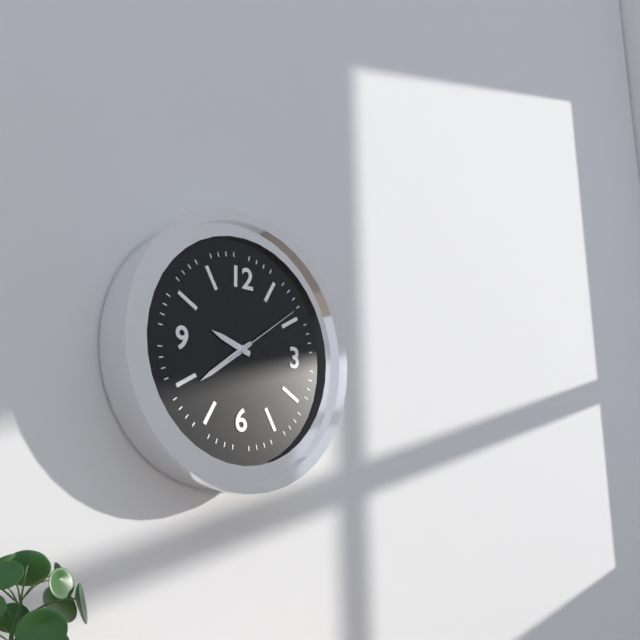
9h39m09s
